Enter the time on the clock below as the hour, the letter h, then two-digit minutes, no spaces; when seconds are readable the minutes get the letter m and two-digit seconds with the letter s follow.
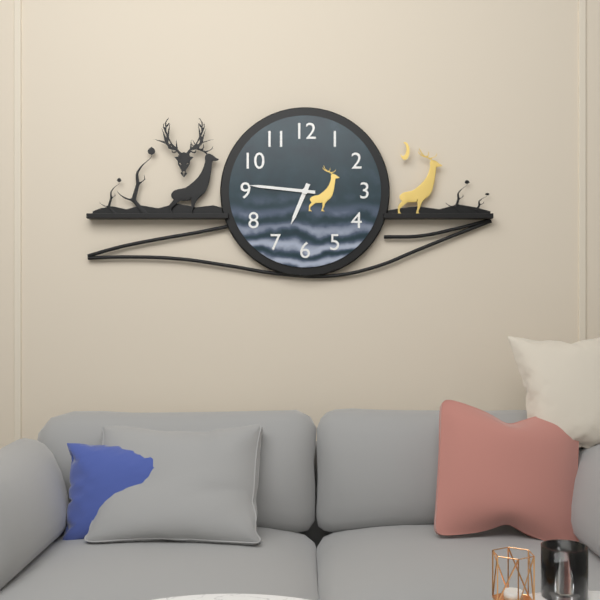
6h46
